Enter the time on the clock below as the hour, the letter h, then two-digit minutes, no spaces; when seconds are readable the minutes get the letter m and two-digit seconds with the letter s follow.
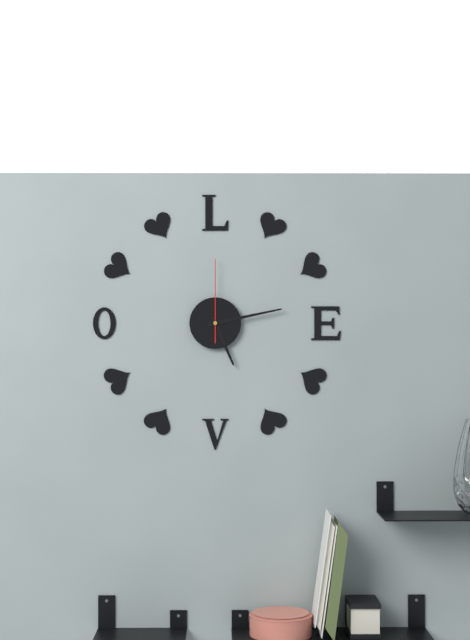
5h13m00s
